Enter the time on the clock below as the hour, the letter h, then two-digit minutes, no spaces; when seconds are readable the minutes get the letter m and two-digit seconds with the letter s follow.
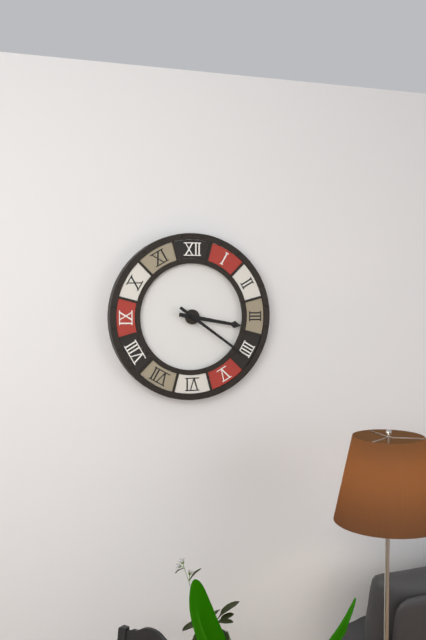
3h21
